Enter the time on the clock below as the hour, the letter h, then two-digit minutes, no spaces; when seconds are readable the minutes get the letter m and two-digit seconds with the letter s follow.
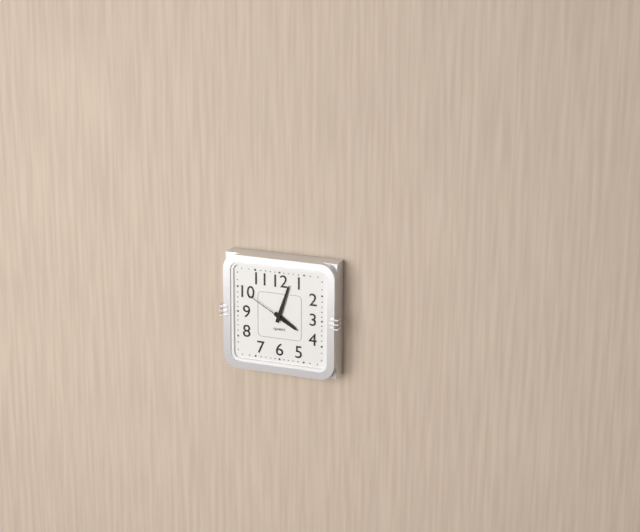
4h03m50s
